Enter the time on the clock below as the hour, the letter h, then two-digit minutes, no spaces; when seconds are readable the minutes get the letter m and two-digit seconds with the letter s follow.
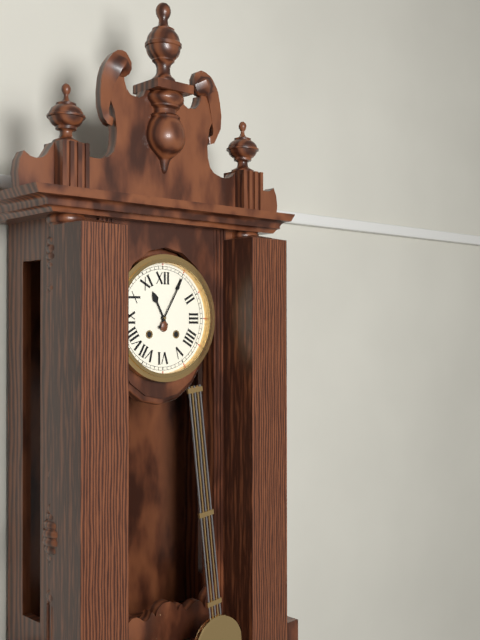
11h05
